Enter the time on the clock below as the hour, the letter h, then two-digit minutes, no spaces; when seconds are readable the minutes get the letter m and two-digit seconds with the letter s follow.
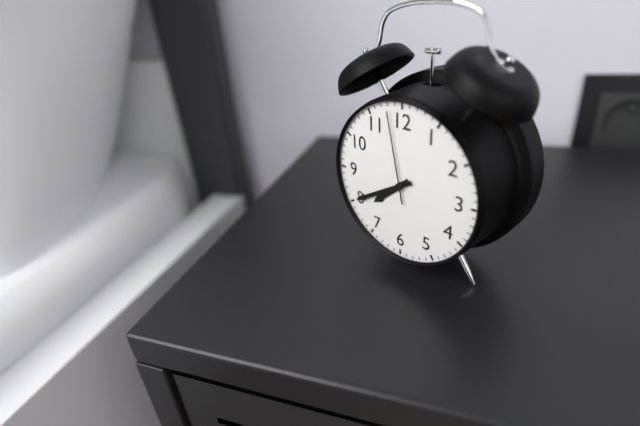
7h40m58s
